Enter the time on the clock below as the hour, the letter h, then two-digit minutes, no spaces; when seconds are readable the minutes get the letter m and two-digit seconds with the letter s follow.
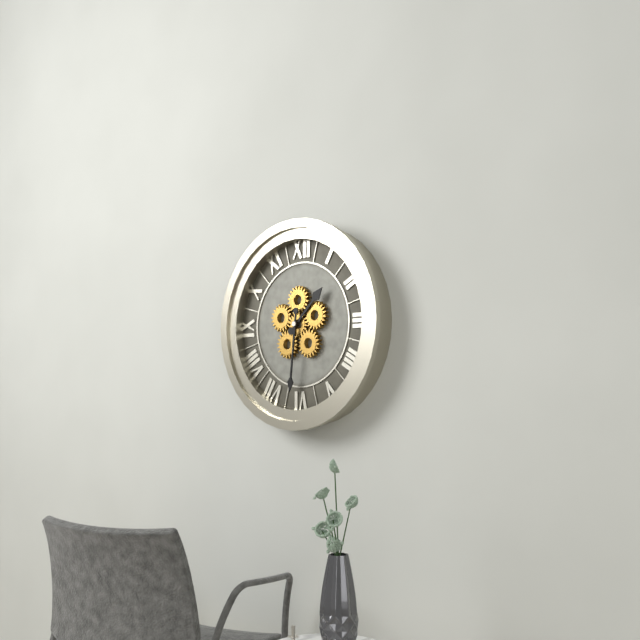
1h31
